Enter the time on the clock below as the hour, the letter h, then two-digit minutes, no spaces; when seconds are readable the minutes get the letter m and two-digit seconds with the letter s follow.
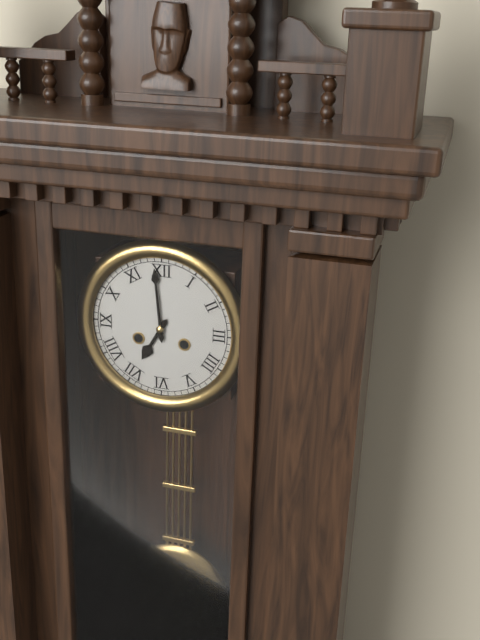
6h59
